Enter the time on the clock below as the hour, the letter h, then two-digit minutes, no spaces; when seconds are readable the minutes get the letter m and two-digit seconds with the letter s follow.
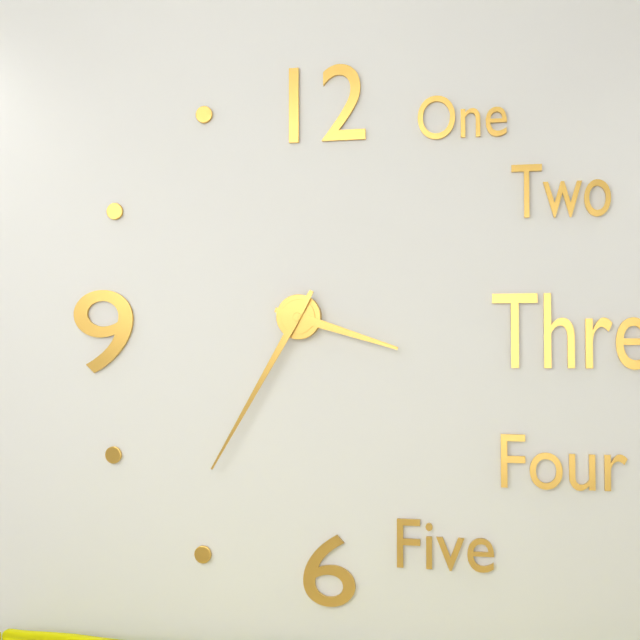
3h35
